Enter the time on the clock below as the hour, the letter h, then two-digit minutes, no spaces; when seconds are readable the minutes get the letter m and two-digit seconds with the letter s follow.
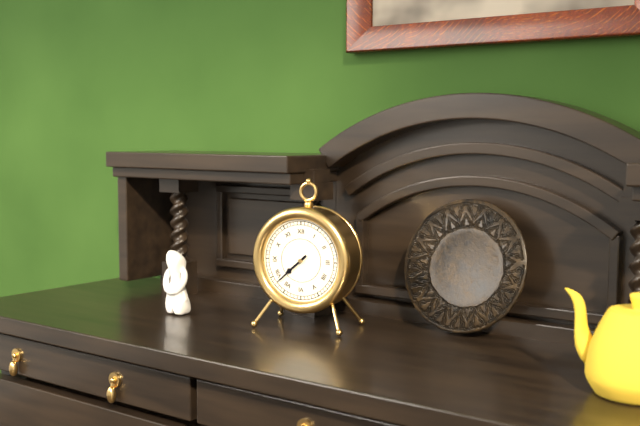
7h38
